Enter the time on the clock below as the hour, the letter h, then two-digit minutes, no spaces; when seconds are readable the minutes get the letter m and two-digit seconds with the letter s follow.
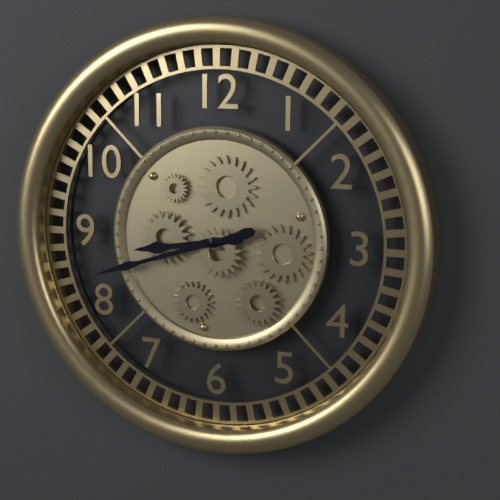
8h42
